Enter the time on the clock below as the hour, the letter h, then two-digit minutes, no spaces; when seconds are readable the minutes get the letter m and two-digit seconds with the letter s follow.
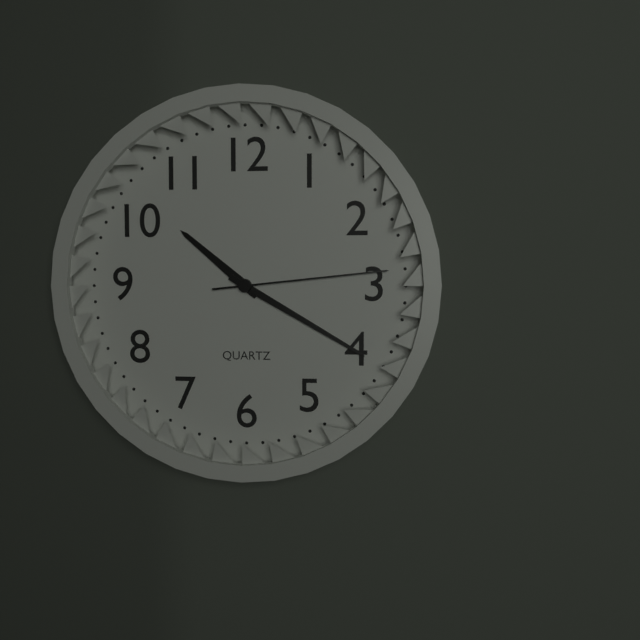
10h20m14s
